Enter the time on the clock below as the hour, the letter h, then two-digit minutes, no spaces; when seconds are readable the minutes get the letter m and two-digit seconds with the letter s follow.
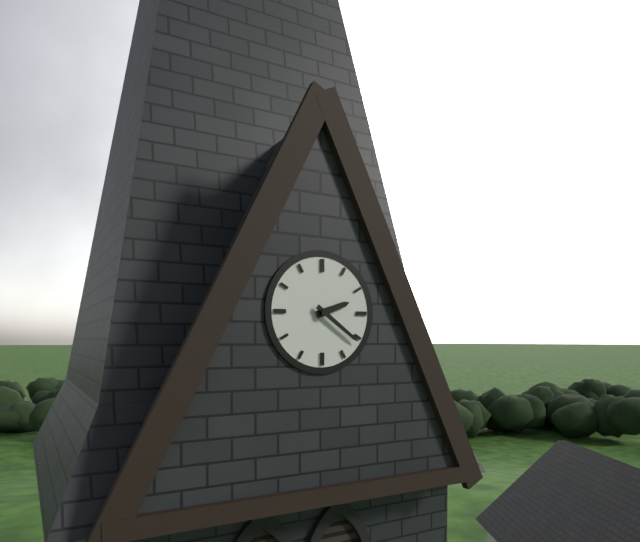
2h21
